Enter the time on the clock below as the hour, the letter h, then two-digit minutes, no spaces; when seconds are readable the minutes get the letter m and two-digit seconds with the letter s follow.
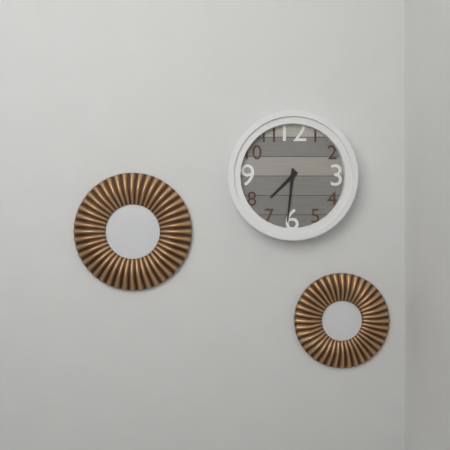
7h31
